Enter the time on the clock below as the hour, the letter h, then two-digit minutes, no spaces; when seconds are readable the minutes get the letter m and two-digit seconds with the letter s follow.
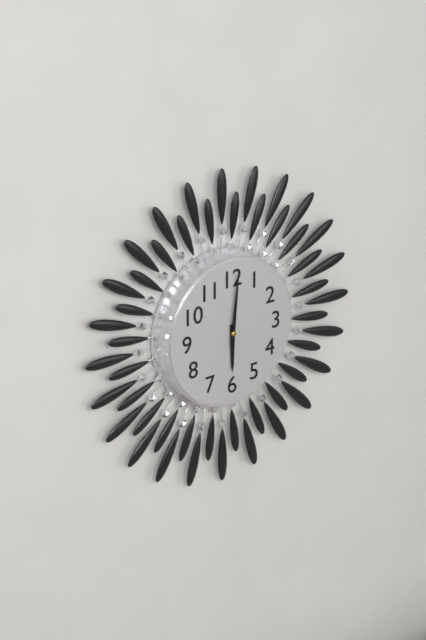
6h01
